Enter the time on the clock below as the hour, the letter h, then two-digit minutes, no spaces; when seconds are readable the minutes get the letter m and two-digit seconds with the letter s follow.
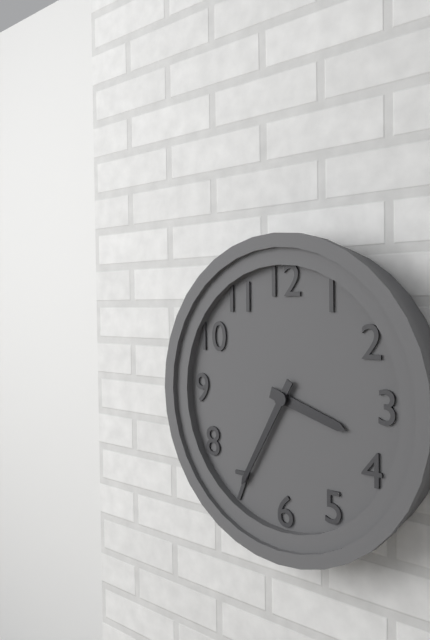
3h35
